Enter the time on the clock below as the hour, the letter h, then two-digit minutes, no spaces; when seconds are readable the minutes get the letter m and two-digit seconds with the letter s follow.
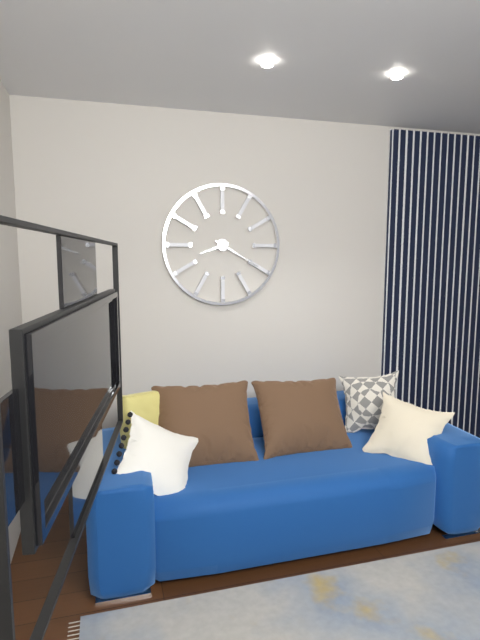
8h20
